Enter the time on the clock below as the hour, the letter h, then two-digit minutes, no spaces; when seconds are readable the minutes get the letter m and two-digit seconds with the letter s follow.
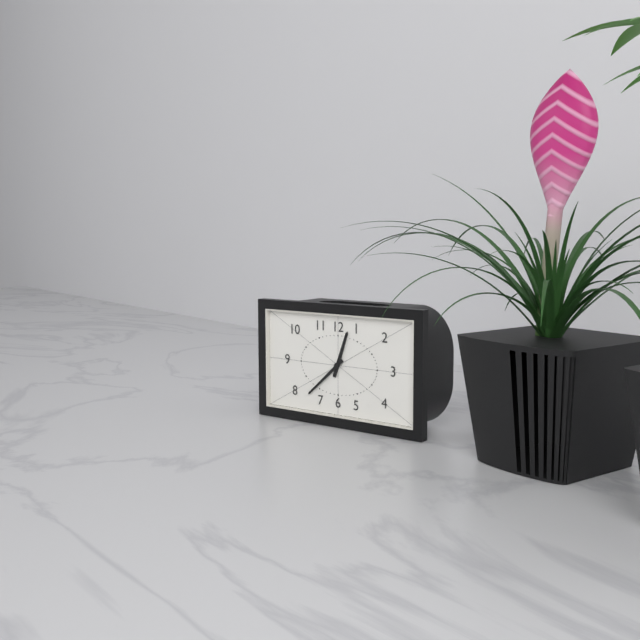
12h38
